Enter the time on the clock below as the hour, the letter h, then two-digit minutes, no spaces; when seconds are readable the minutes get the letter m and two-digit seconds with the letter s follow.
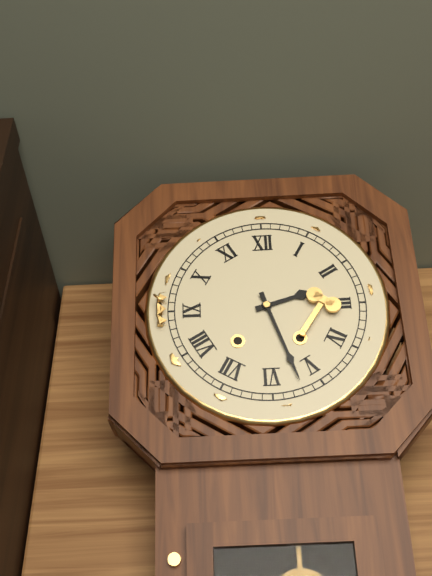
2h27
